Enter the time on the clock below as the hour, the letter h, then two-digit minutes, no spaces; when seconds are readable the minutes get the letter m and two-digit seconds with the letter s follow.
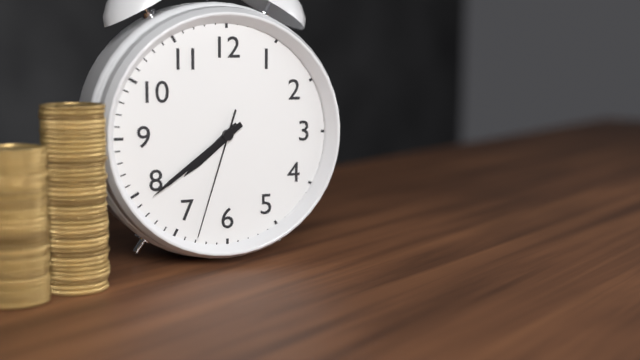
7h39m33s
